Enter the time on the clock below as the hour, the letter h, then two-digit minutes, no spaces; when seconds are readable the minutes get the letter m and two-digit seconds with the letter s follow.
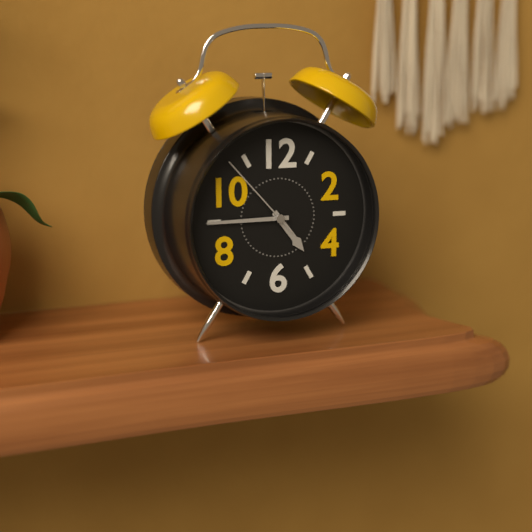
4h45m53s
